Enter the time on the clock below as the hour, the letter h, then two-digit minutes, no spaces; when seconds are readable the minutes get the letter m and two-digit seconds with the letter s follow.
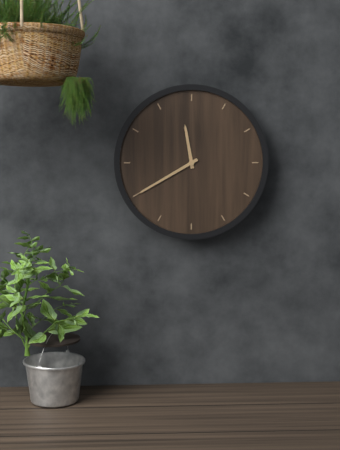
11h40
